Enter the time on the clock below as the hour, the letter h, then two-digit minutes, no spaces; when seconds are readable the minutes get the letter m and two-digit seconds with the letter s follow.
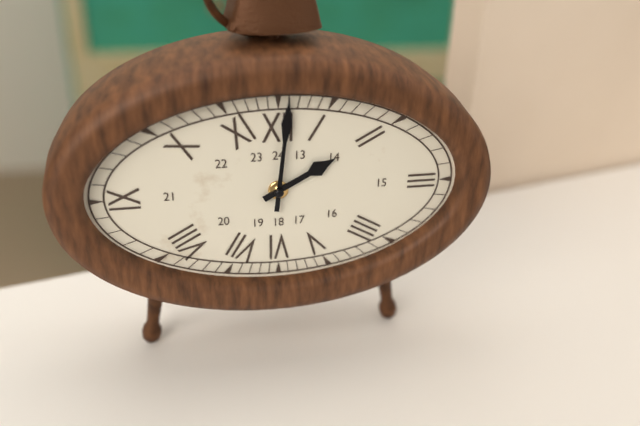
2h01
